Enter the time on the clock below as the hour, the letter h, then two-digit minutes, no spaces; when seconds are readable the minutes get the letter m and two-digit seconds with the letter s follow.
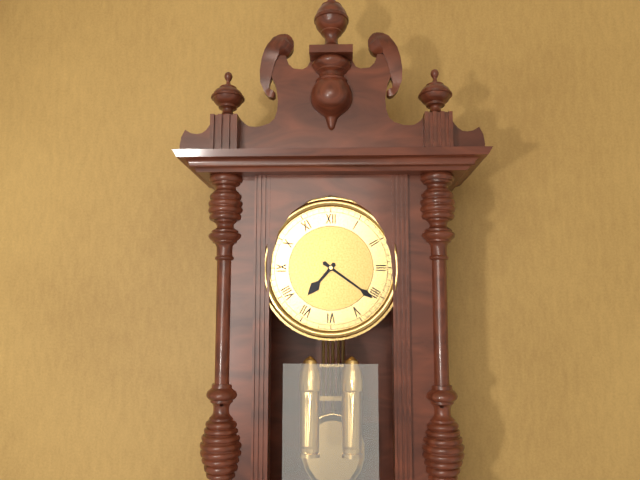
7h21
